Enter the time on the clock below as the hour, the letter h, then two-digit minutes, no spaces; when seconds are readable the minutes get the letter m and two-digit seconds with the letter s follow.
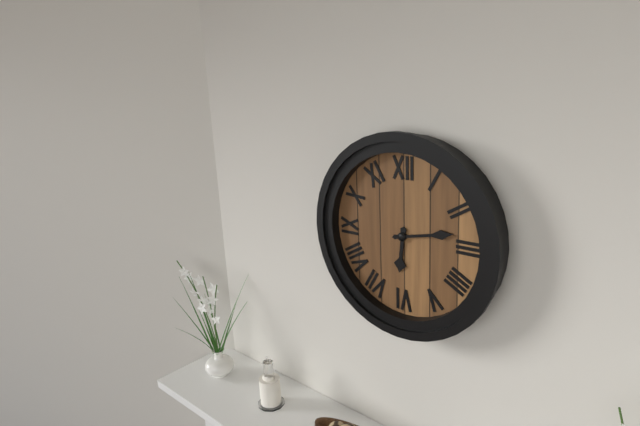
6h13
